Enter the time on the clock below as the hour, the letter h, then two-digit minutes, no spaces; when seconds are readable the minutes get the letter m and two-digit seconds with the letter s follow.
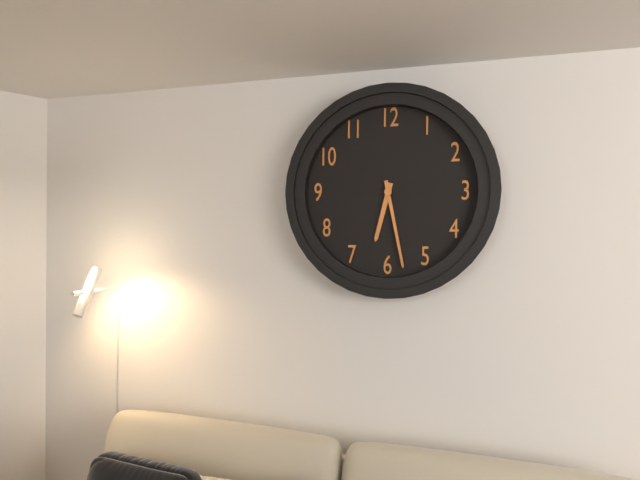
6h28
